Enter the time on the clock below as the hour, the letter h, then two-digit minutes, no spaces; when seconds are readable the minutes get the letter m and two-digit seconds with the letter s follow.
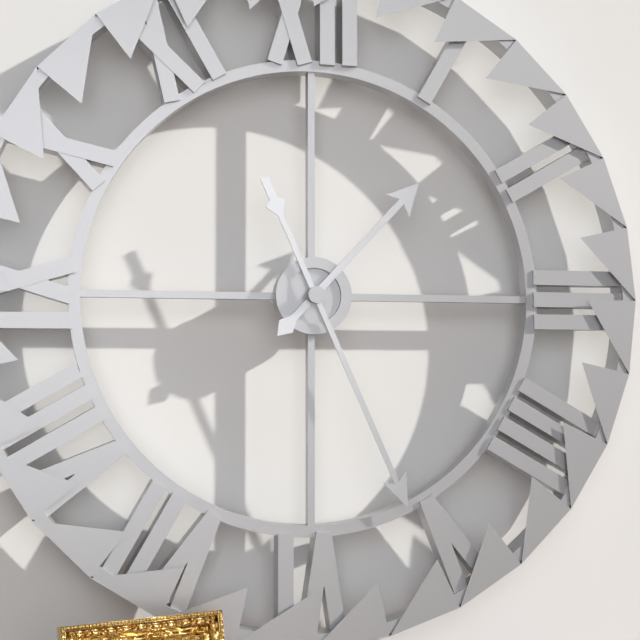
1h26
